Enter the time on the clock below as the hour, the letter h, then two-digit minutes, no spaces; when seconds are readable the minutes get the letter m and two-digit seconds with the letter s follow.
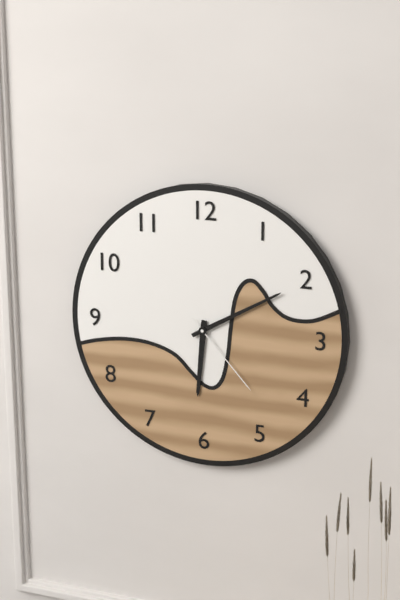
6h10m23s
